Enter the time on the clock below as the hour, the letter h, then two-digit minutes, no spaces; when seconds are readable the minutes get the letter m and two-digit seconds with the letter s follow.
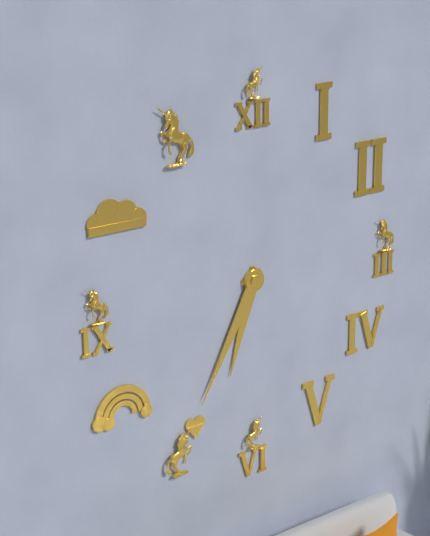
6h35
